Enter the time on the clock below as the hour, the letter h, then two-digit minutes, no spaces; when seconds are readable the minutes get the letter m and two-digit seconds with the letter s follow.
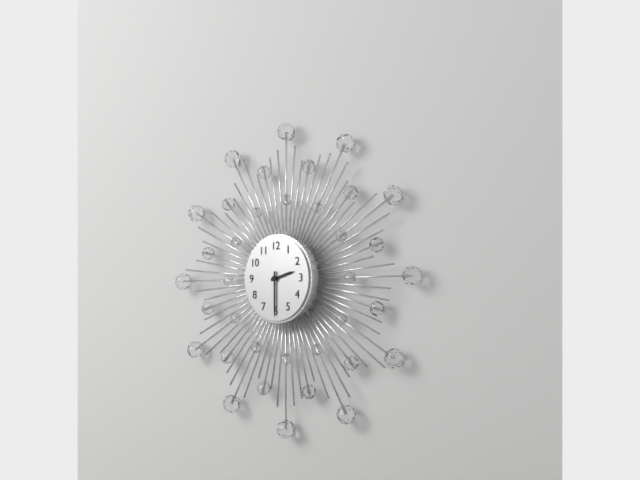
2h30
